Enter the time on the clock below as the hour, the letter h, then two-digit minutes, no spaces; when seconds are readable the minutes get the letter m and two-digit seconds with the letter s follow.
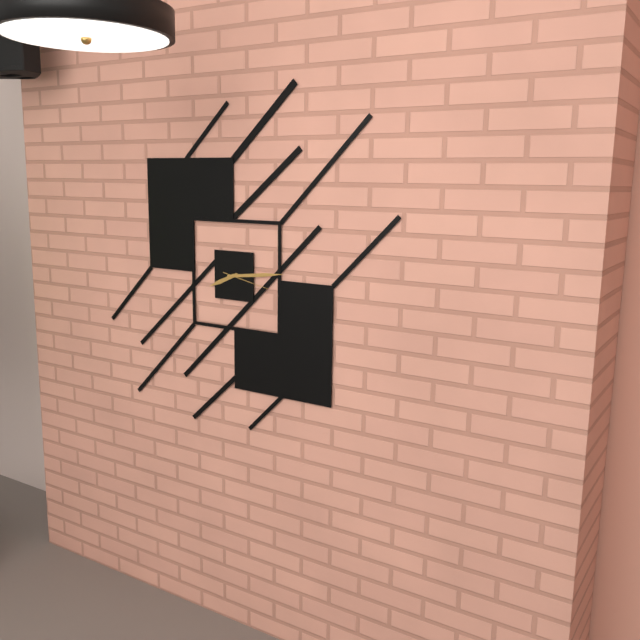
8h14
